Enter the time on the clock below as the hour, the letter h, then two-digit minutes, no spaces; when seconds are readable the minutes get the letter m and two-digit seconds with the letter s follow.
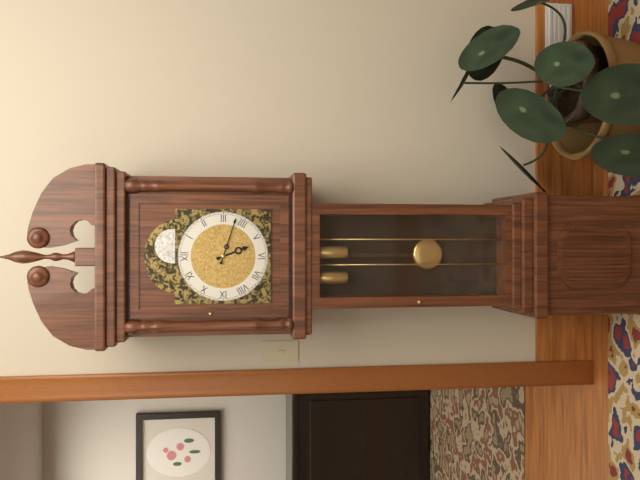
5h18
